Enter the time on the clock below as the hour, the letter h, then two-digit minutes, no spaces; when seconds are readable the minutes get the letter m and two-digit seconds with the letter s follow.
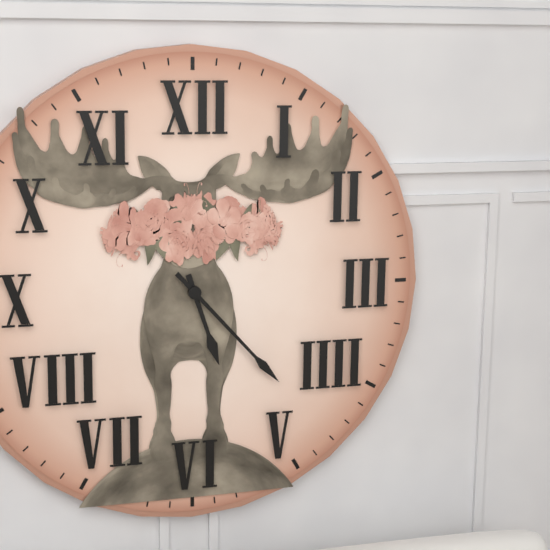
5h23
